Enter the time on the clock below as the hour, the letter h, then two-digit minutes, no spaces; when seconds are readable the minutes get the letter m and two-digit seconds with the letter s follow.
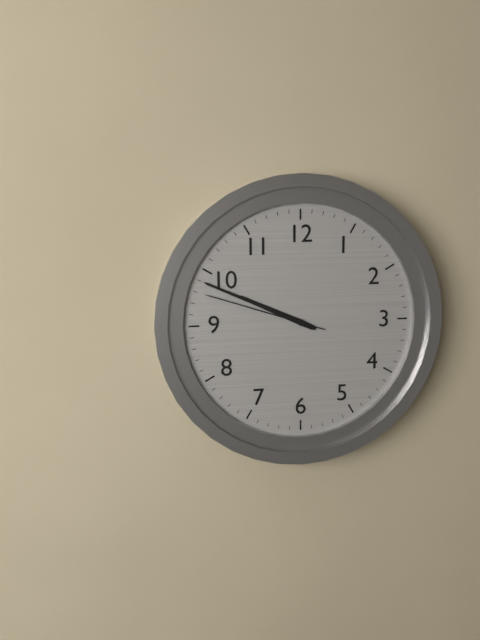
9h49m48s
